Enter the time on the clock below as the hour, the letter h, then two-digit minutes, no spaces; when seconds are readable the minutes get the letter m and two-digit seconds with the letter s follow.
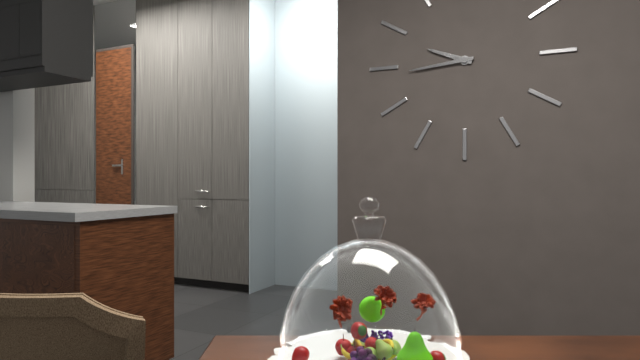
9h44
